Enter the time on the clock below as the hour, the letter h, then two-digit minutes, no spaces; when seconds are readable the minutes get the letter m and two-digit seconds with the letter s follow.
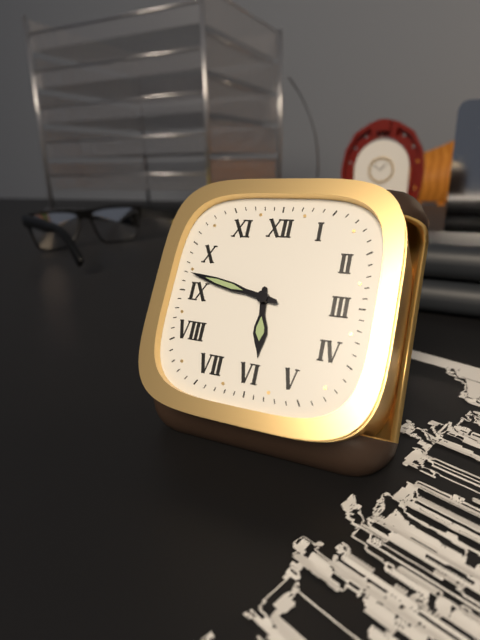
5h47
